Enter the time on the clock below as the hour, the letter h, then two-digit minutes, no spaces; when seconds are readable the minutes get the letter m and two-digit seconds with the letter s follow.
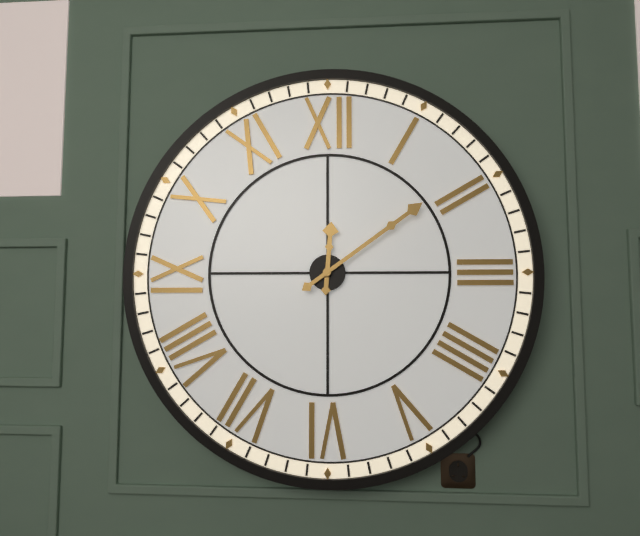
12h09
